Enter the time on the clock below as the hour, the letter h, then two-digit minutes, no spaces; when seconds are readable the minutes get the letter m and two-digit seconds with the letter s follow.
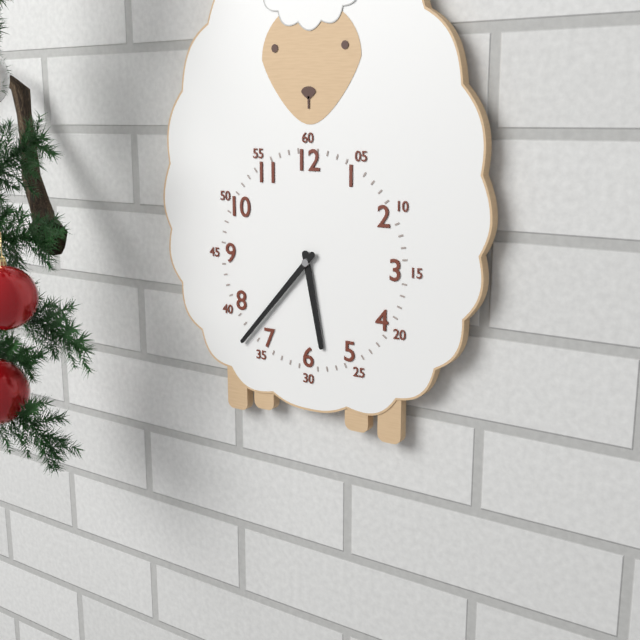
5h37
